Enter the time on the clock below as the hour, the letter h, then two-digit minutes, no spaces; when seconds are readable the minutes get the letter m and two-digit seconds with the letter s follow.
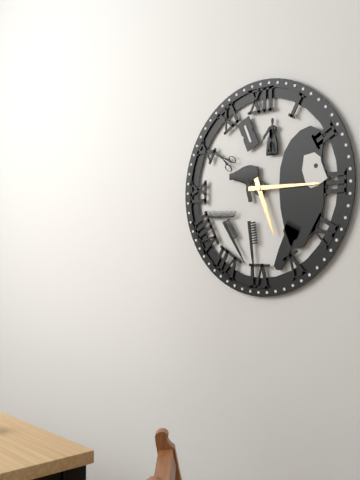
5h15
